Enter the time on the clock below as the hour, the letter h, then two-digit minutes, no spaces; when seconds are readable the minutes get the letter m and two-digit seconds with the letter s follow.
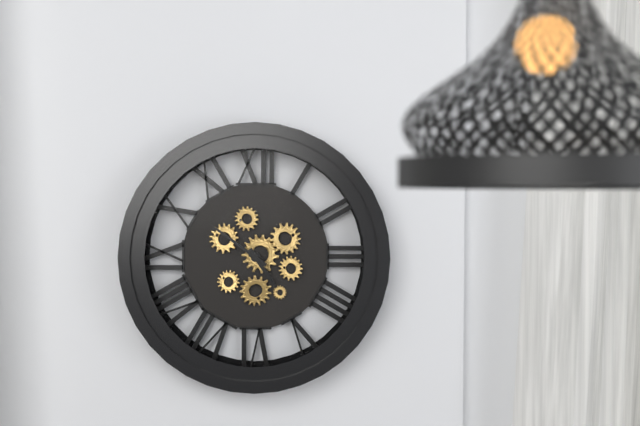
4h51
